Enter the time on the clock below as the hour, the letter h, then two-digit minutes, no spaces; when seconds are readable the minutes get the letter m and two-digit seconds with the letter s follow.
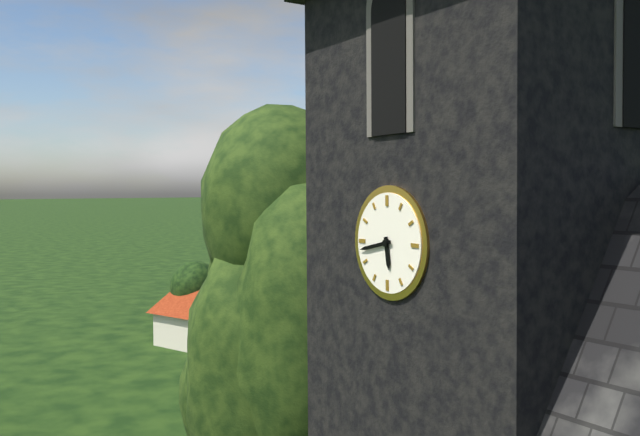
5h43
